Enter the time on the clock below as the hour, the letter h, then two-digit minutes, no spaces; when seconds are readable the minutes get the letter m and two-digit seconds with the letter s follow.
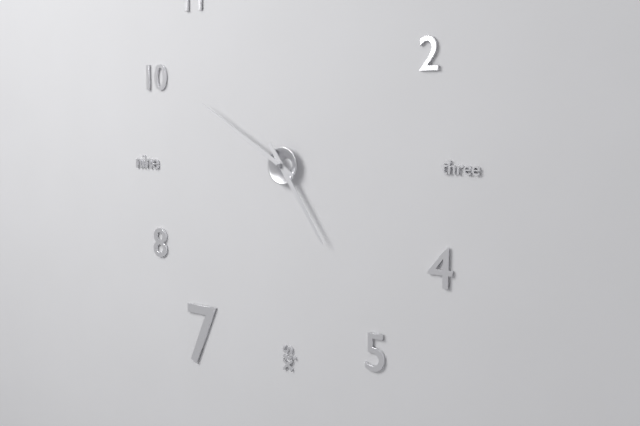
4h50
